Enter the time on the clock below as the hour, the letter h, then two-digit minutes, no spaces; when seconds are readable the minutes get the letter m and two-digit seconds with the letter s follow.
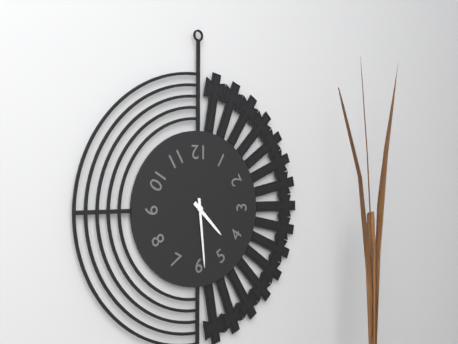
4h29
